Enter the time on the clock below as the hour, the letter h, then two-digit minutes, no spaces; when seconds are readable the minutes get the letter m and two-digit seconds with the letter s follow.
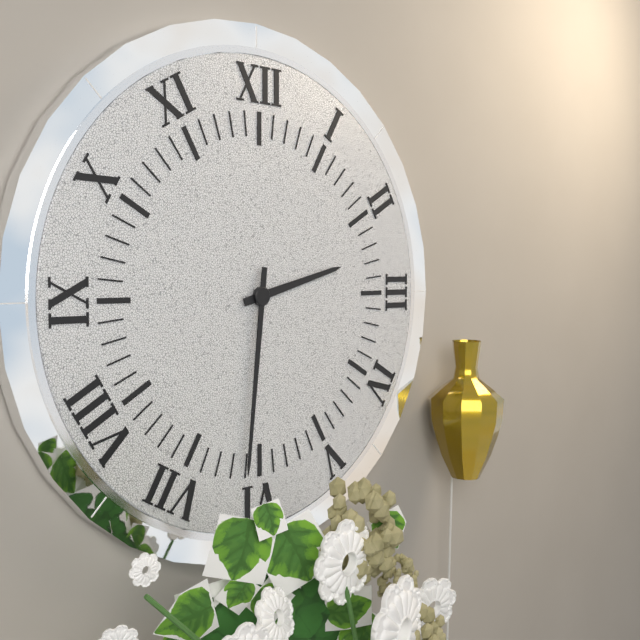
2h31
